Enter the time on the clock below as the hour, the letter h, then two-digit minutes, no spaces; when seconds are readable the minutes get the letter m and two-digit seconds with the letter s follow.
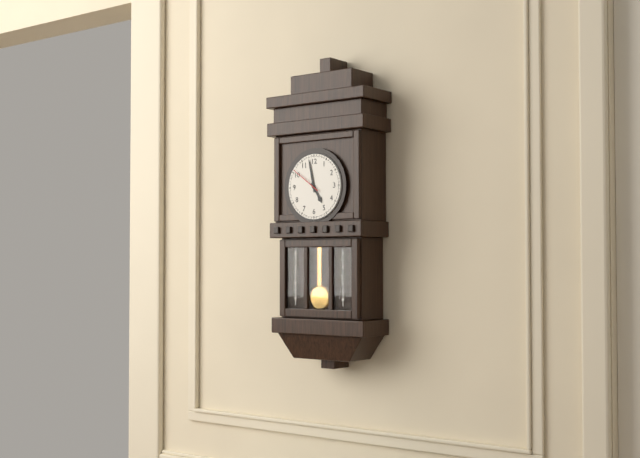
4h58
